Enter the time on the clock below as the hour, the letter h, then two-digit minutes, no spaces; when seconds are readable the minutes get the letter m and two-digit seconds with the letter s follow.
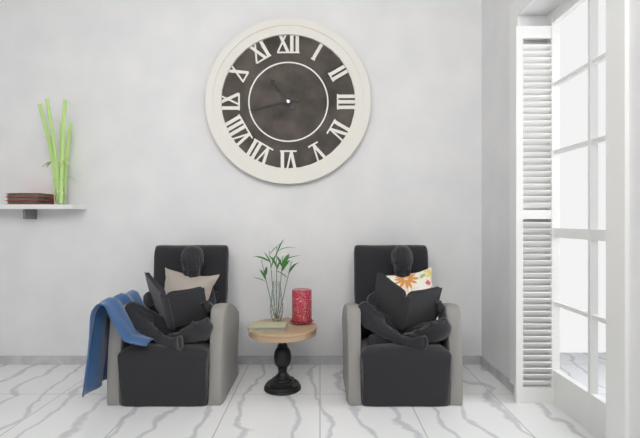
10h43
